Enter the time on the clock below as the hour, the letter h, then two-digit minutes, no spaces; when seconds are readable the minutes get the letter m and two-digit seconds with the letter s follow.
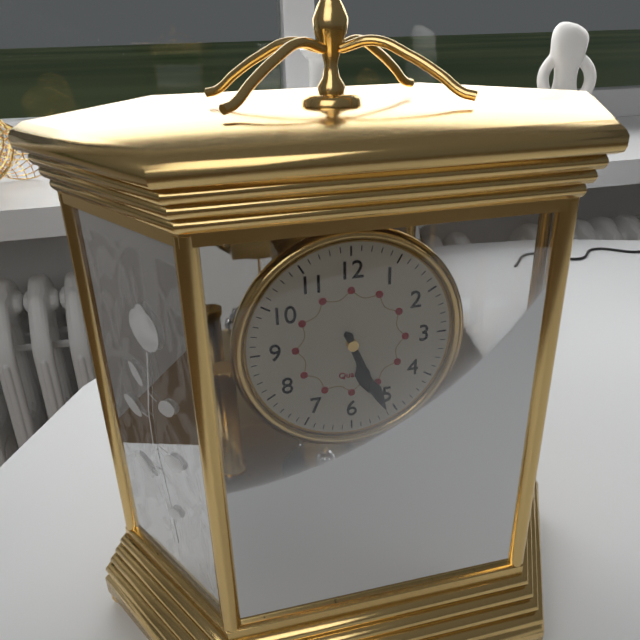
5h26
